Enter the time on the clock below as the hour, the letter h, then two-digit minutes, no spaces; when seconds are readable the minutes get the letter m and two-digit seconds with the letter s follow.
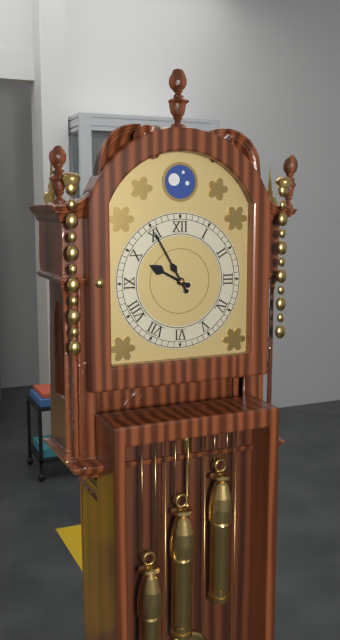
9h55
